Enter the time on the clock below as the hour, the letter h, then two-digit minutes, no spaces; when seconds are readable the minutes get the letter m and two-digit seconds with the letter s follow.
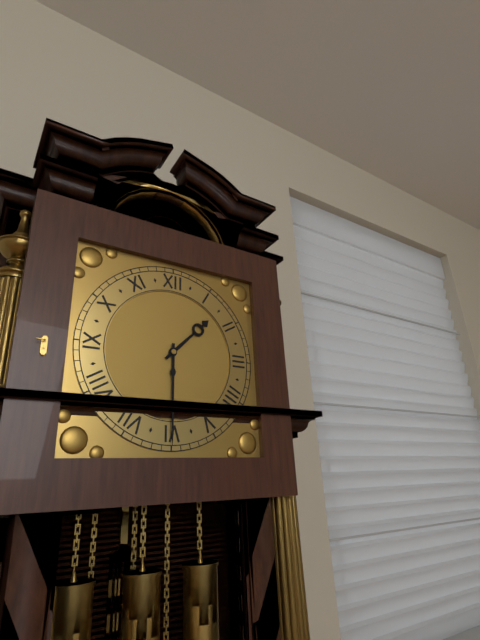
1h30
